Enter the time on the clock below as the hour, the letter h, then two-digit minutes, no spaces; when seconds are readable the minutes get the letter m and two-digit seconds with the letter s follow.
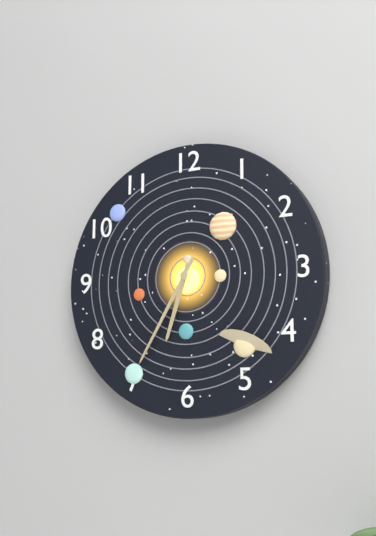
6h35
